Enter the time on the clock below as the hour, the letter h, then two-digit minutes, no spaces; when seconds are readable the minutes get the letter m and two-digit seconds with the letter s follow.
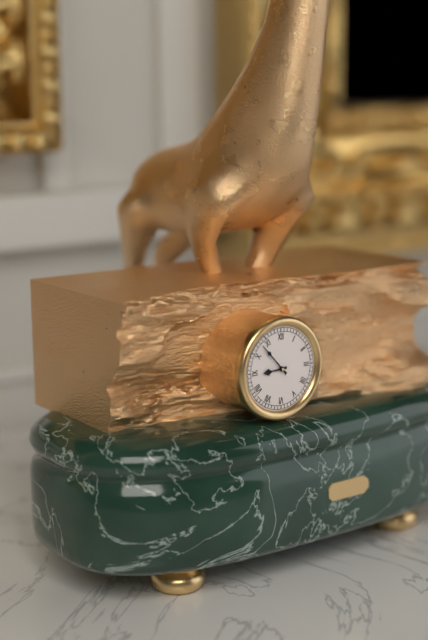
8h53
